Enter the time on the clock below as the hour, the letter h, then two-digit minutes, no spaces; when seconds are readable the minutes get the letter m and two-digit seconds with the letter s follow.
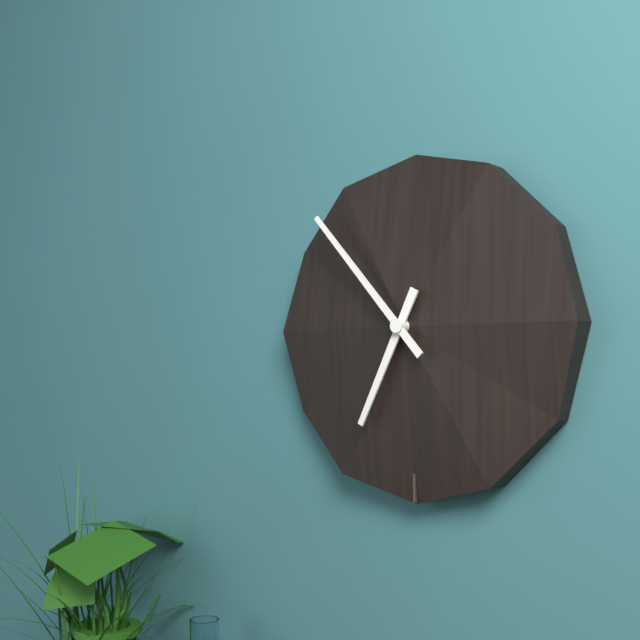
6h53
